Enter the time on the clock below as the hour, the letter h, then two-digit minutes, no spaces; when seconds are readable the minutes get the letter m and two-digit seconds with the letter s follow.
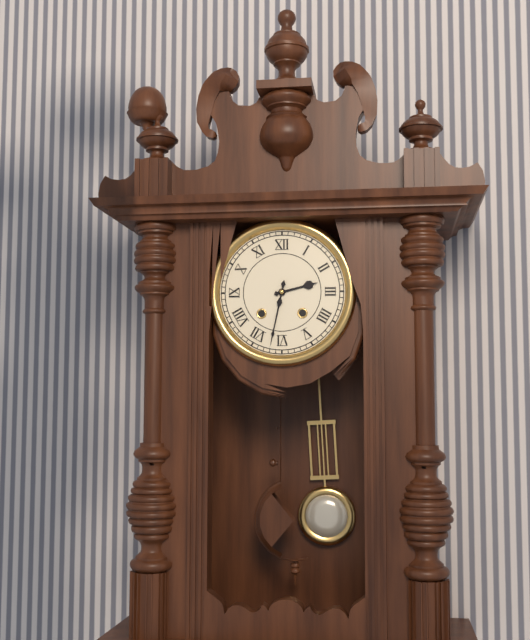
2h32
